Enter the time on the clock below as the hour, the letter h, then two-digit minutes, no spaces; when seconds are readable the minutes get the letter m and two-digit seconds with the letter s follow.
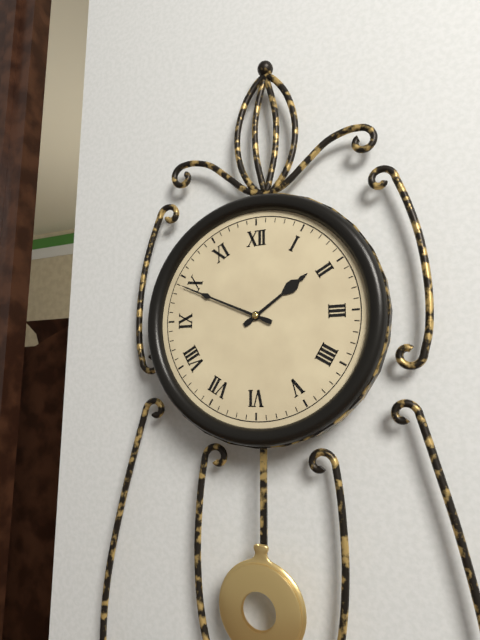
1h49
